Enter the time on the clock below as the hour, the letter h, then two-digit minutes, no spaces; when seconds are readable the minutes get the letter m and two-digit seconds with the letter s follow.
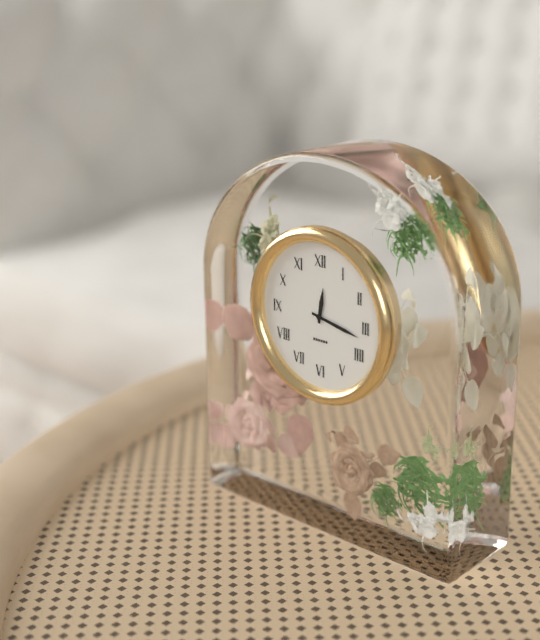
12h17
